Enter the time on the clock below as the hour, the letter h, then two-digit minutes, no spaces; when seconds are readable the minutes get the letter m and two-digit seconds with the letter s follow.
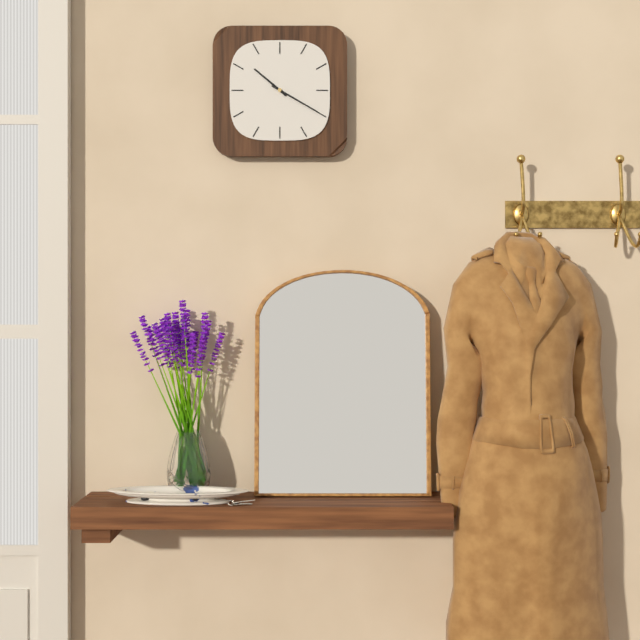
10h20
